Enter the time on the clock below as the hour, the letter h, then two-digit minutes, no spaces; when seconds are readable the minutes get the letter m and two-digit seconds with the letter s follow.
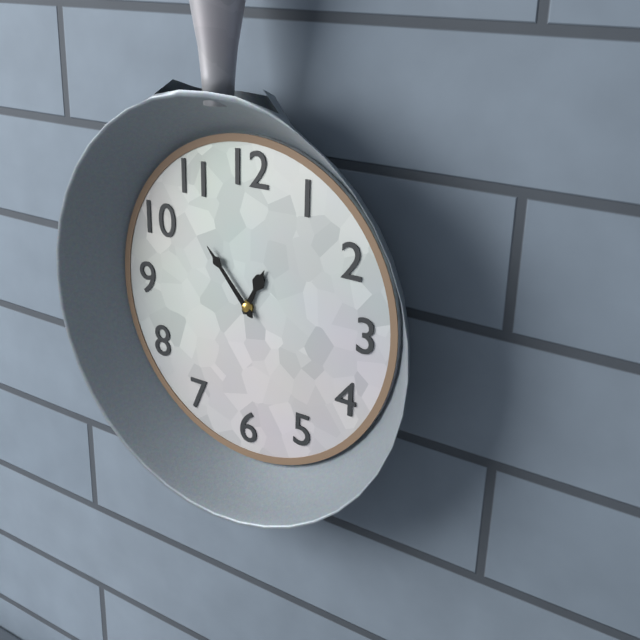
12h53
